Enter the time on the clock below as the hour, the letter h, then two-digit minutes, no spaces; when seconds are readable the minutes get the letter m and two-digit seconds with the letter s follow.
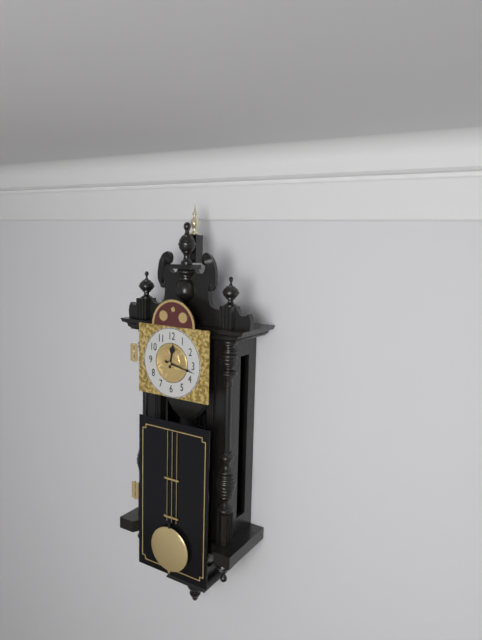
12h17
